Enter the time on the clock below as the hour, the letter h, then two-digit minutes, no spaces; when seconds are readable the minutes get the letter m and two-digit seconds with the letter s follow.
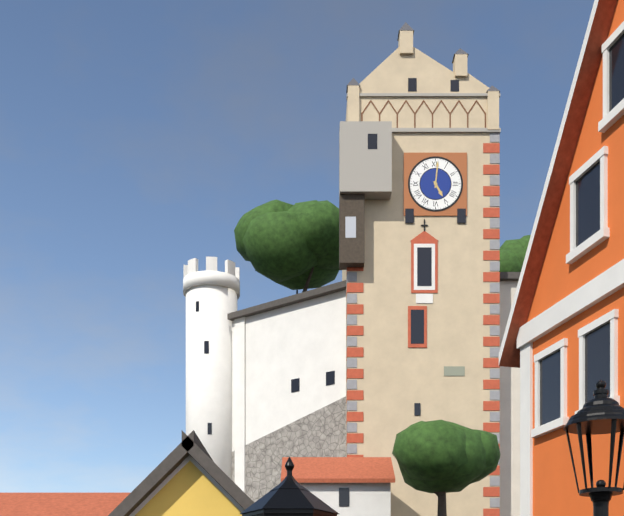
5h01
